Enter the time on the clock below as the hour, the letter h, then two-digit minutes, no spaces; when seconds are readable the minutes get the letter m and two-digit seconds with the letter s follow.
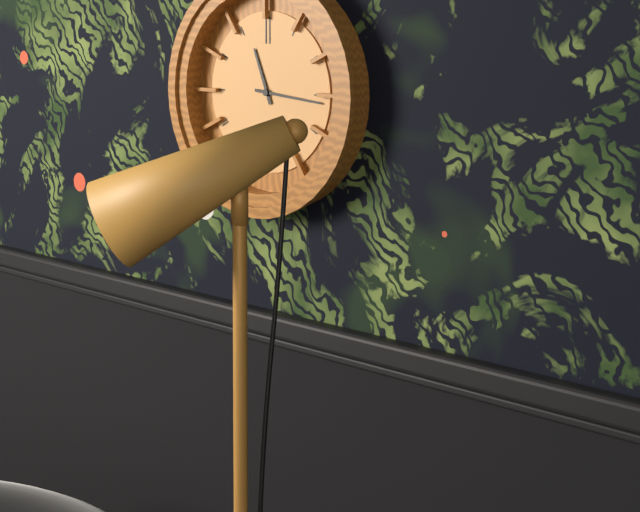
11h16
